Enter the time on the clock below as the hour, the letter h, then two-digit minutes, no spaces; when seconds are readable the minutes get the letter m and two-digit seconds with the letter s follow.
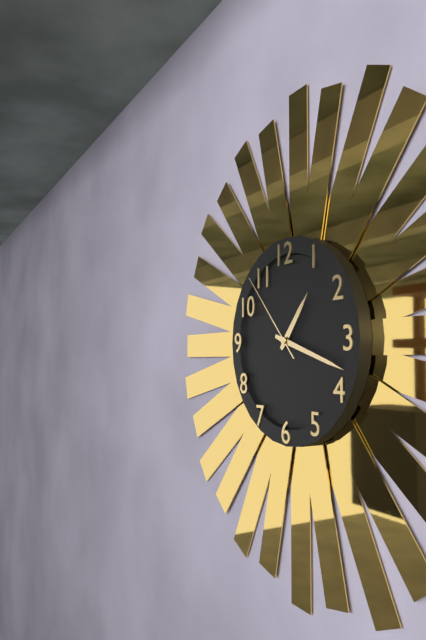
1h18m53s
